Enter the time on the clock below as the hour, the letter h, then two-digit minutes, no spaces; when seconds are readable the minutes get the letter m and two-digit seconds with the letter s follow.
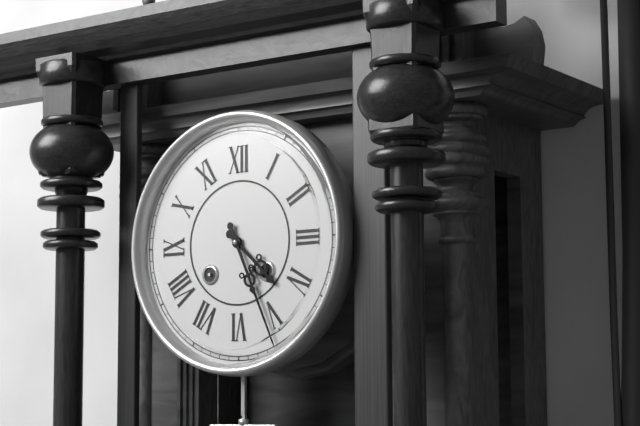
4h26
